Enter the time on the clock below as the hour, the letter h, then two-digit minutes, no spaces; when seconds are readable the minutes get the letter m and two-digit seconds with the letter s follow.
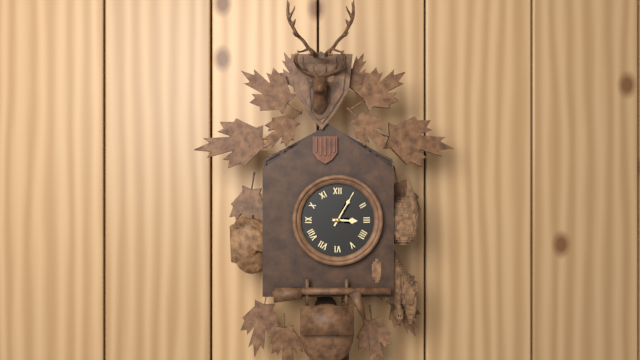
3h05
